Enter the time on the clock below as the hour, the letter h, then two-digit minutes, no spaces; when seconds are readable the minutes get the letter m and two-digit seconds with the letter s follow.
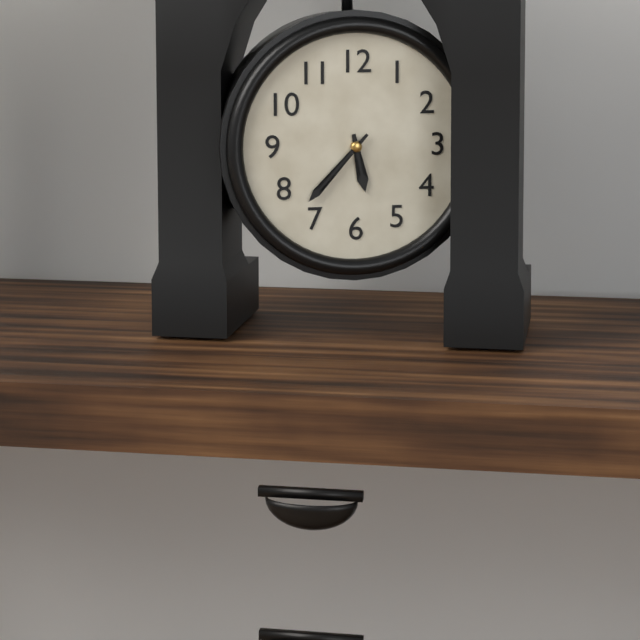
5h37
